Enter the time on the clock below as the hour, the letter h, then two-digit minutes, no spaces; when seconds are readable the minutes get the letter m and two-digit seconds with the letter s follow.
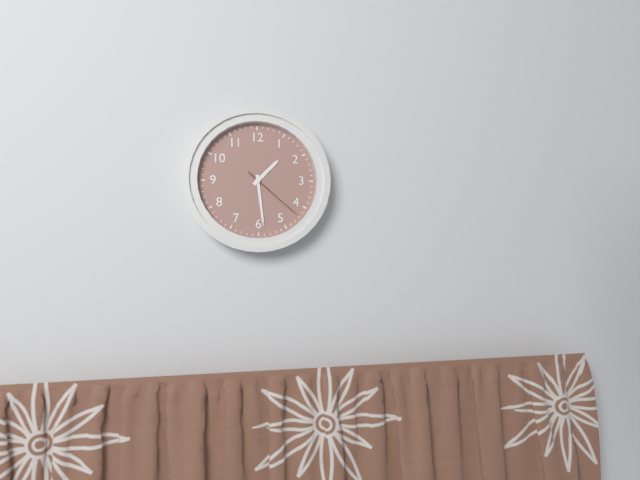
1h29m22s
